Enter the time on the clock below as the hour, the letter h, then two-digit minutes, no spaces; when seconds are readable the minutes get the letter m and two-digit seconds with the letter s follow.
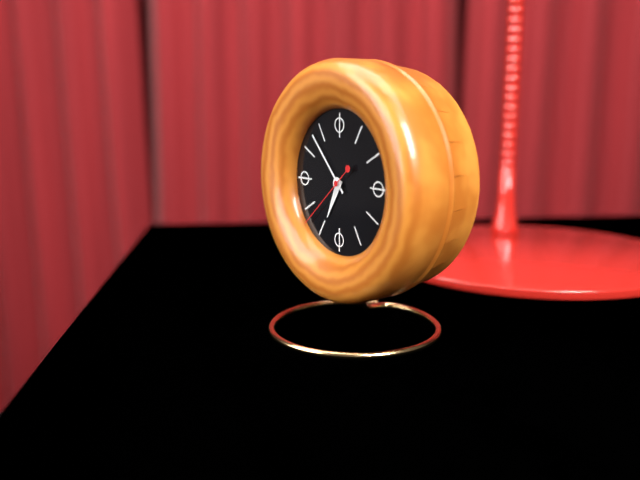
6h53m38s
